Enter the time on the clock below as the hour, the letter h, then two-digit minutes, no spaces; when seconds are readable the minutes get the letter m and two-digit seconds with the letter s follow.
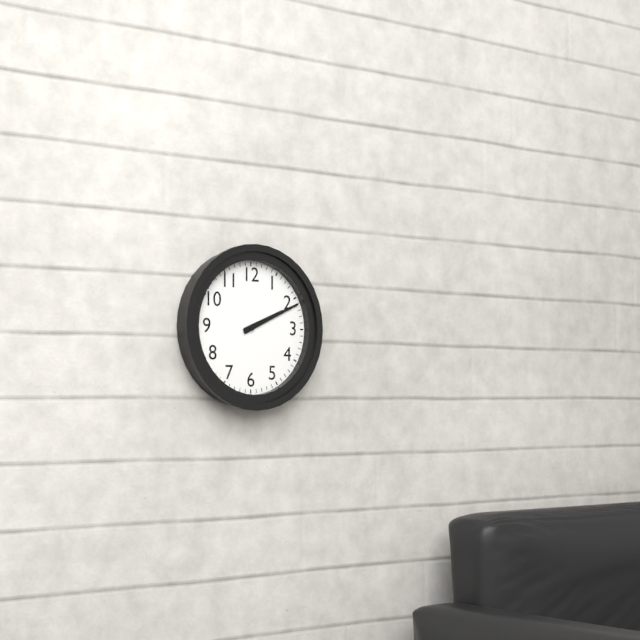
2h11
